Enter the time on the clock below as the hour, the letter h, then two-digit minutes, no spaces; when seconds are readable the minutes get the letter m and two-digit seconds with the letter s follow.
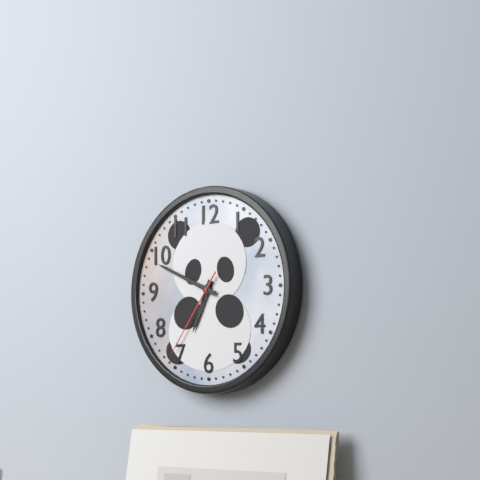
6h49m36s
